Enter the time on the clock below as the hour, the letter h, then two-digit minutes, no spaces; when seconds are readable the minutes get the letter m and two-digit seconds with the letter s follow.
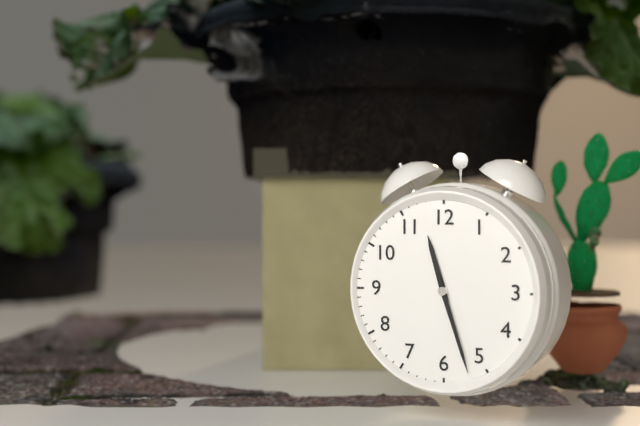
11h27
